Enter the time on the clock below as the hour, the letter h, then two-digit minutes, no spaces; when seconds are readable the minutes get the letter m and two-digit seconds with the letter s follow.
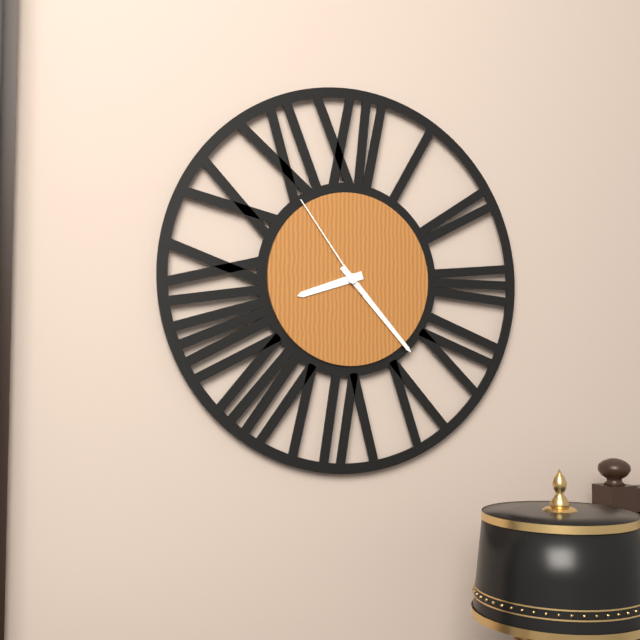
8h23m54s
